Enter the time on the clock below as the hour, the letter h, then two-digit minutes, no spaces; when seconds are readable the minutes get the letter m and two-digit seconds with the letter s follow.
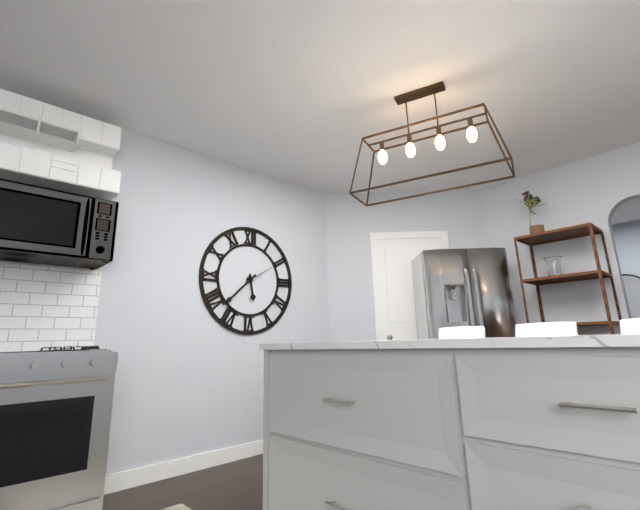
5h38
